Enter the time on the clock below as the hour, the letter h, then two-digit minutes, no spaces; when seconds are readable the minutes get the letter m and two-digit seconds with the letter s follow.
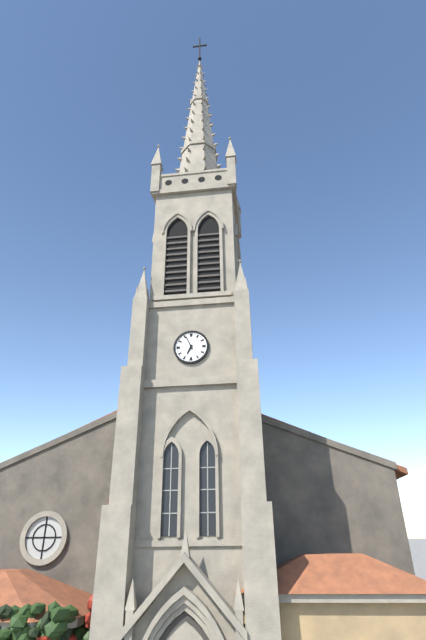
6h56
